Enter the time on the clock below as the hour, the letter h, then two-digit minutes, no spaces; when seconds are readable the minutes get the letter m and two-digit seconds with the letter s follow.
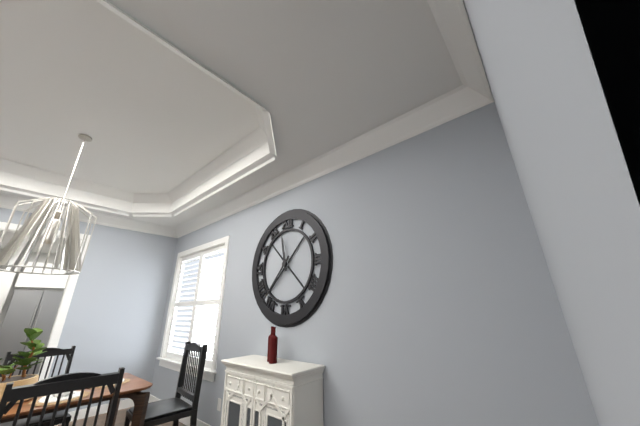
11h37
